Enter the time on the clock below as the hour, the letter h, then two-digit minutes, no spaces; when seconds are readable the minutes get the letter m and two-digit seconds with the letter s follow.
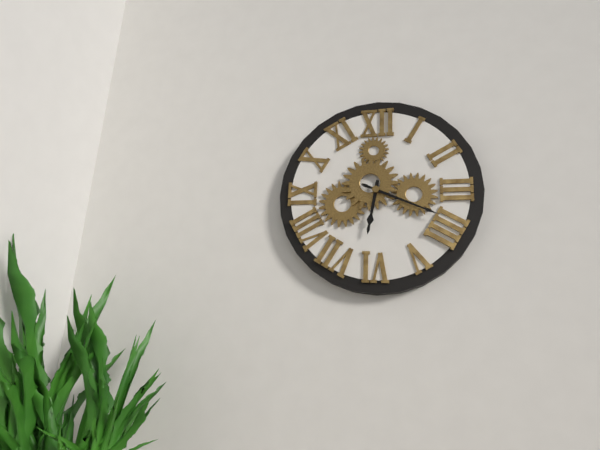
6h19
